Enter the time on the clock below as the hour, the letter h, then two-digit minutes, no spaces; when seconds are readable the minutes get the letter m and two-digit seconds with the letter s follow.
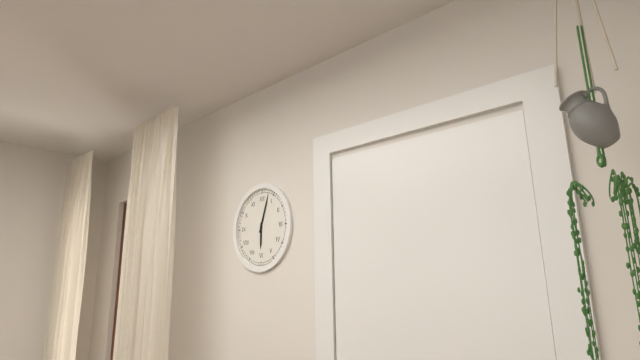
6h03
